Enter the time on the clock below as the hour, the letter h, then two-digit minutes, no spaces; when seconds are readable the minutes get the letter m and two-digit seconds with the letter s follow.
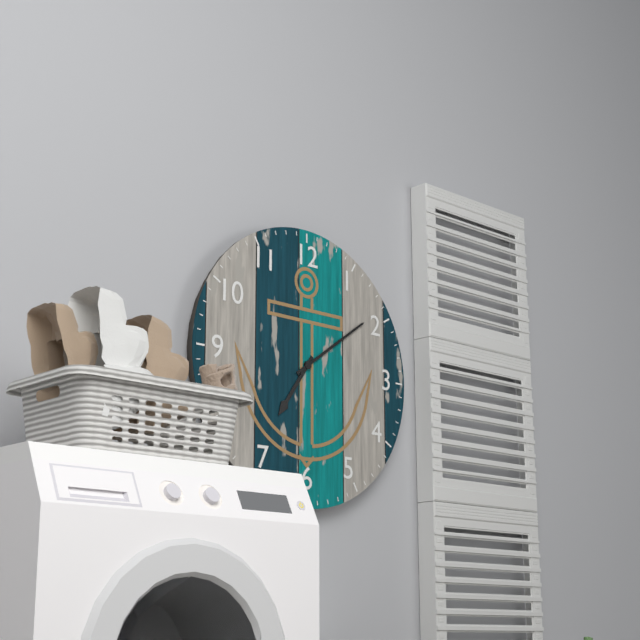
7h09
